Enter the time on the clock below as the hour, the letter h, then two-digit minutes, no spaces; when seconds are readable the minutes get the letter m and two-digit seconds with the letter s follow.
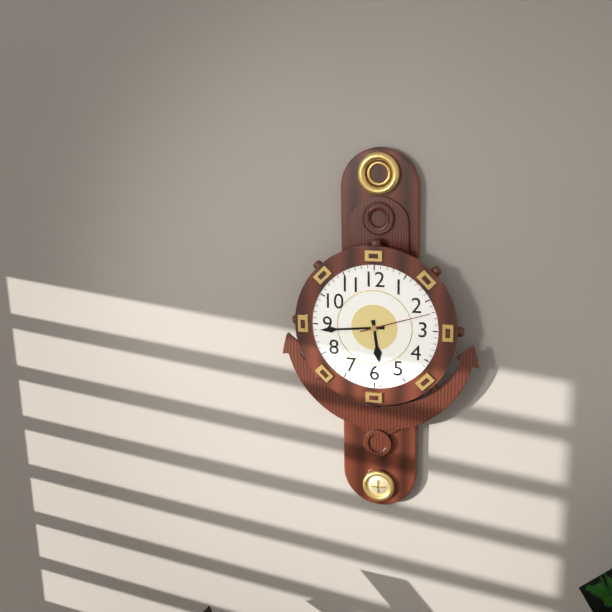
5h44m12s
